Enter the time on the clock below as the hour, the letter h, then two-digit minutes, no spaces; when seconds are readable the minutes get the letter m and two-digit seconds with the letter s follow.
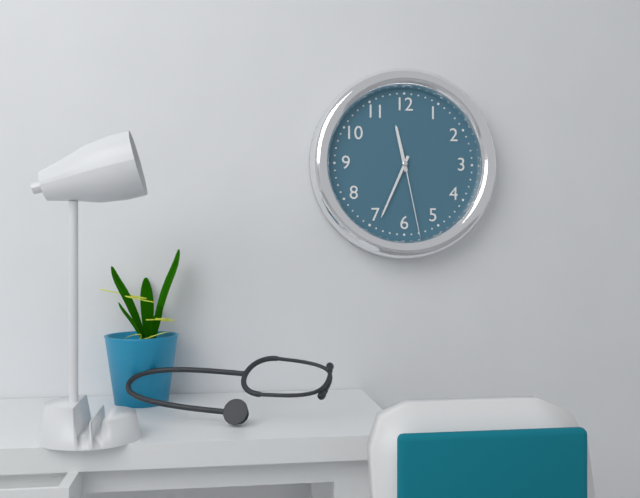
11h34m28s
